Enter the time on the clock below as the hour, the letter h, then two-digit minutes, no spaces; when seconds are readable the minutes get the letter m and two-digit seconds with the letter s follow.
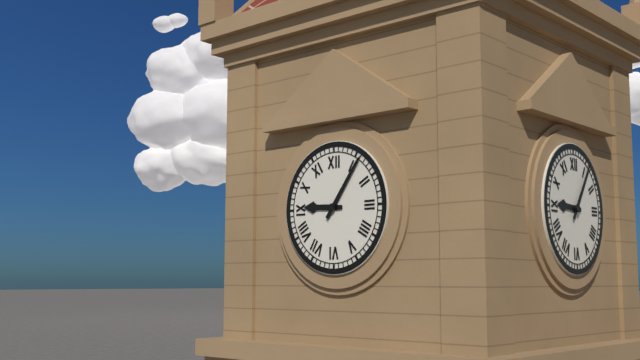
9h06
